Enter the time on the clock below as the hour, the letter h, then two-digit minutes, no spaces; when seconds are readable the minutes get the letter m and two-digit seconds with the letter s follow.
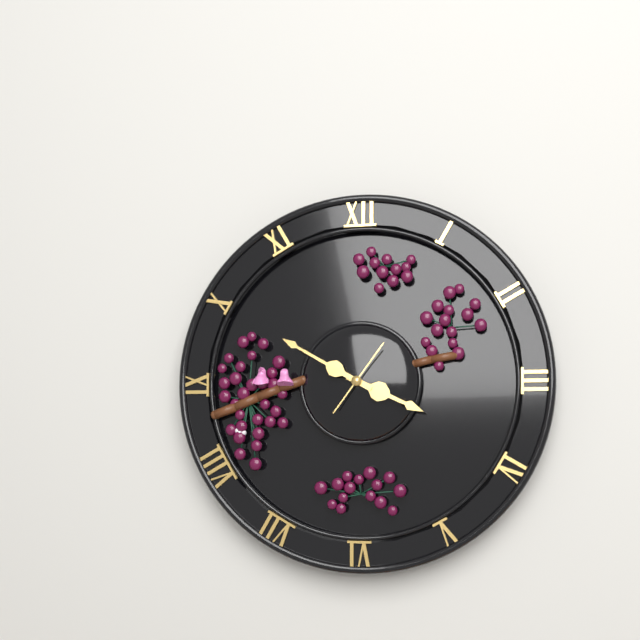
3h50m06s
